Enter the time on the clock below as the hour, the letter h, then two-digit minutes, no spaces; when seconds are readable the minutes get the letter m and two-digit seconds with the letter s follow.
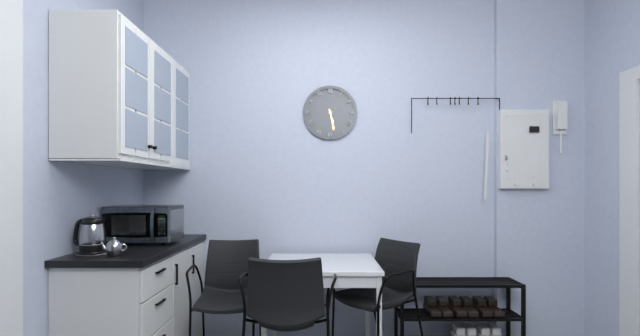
5h28
